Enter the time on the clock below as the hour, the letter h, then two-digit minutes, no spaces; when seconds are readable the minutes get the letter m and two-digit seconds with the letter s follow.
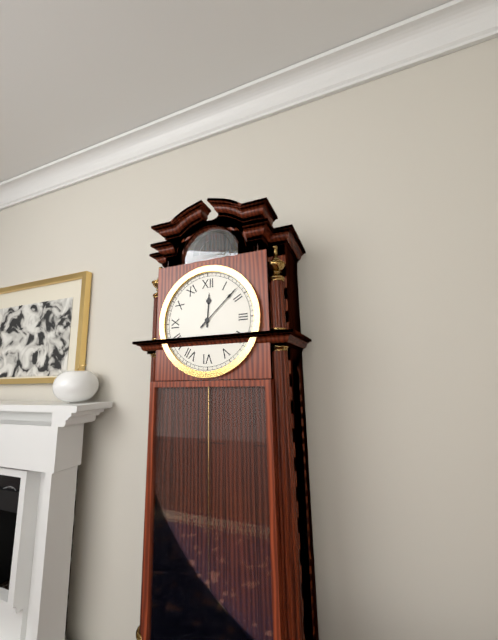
12h08
